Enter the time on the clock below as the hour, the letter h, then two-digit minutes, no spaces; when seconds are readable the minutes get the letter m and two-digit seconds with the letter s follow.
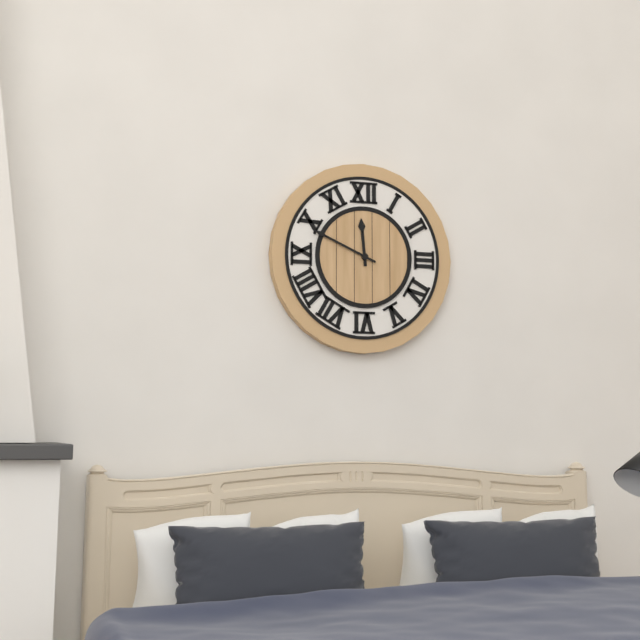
11h49
